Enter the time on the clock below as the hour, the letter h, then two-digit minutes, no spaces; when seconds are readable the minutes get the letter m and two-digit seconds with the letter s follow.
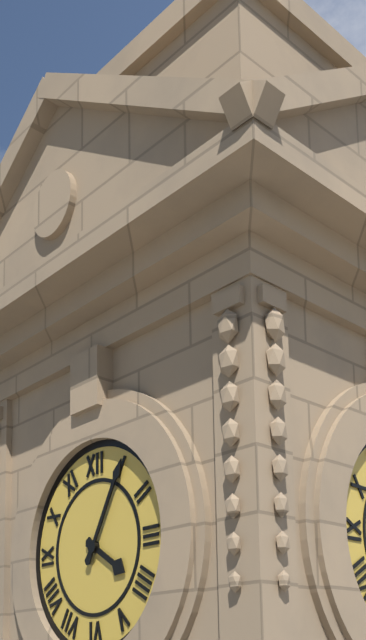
4h05
